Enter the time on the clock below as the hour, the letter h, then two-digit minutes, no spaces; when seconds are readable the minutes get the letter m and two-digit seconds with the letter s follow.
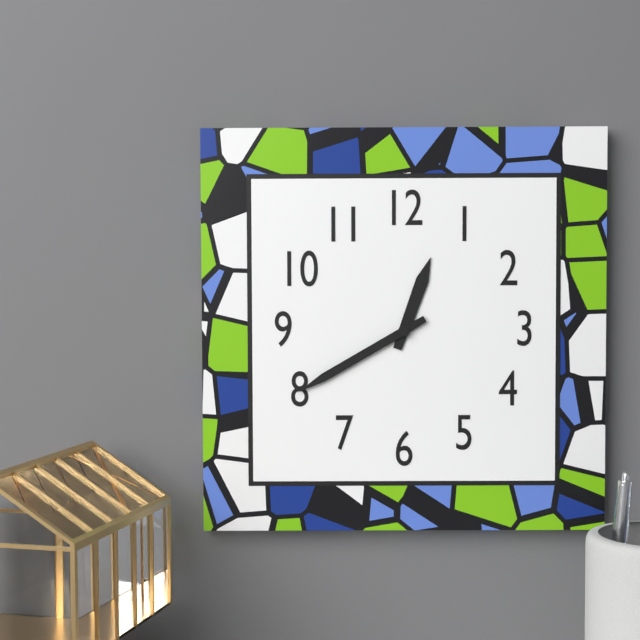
12h40
